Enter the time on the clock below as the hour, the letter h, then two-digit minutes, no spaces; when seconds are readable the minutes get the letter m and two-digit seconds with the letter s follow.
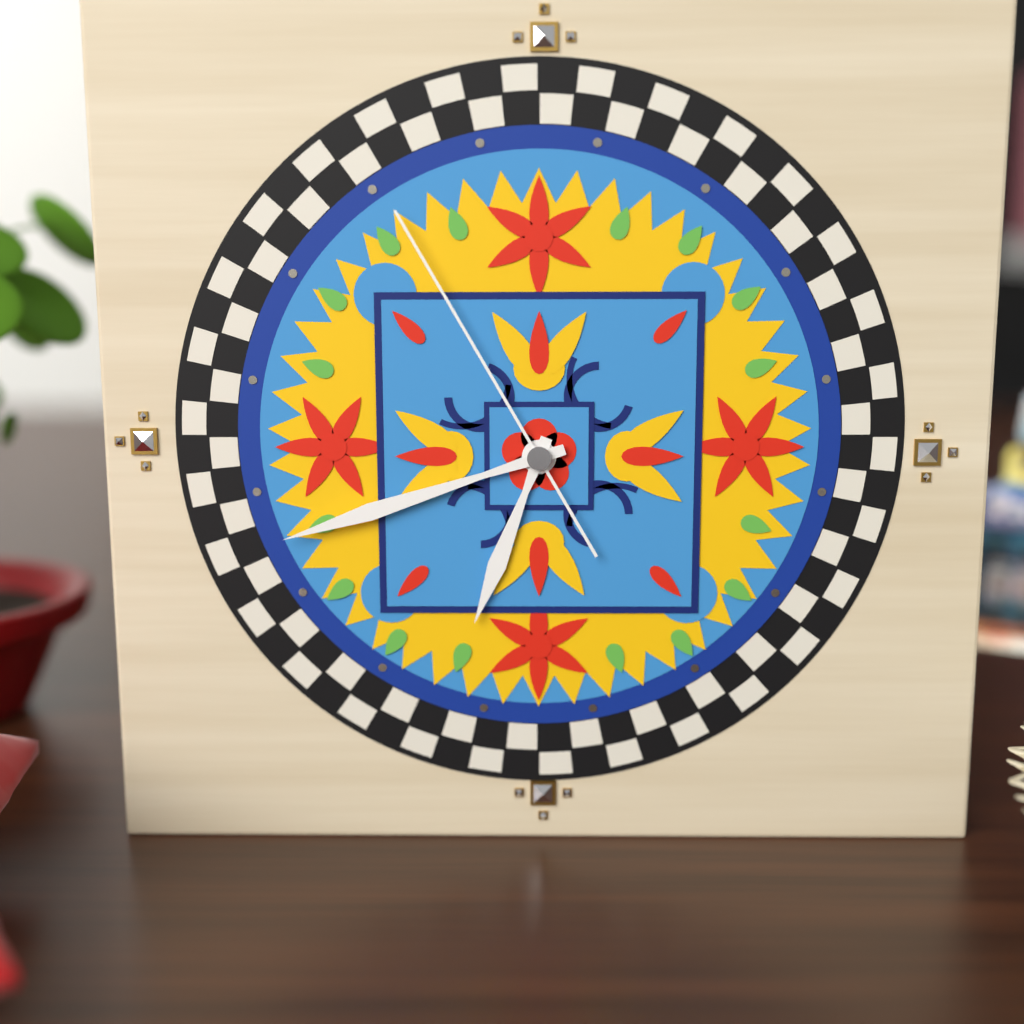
6h42m55s
